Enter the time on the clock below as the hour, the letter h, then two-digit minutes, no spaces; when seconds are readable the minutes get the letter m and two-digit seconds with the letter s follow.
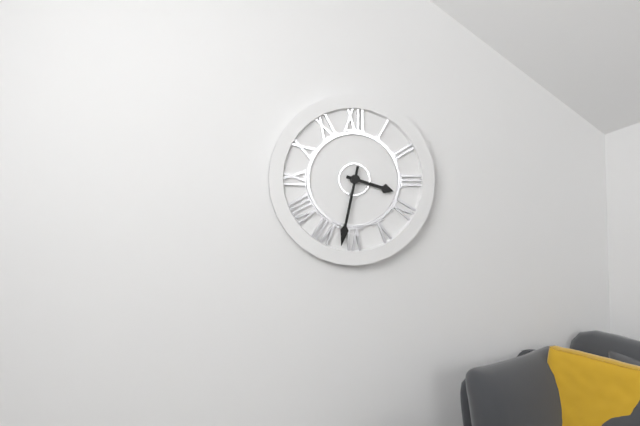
3h32
